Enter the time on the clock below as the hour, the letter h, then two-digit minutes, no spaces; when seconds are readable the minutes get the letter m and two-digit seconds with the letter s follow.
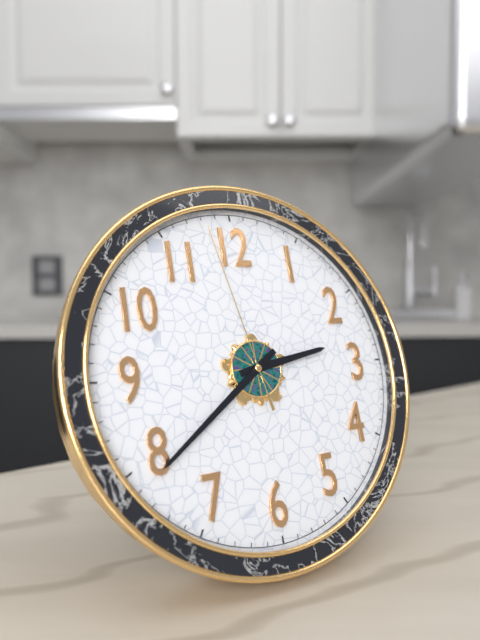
2h39m58s
